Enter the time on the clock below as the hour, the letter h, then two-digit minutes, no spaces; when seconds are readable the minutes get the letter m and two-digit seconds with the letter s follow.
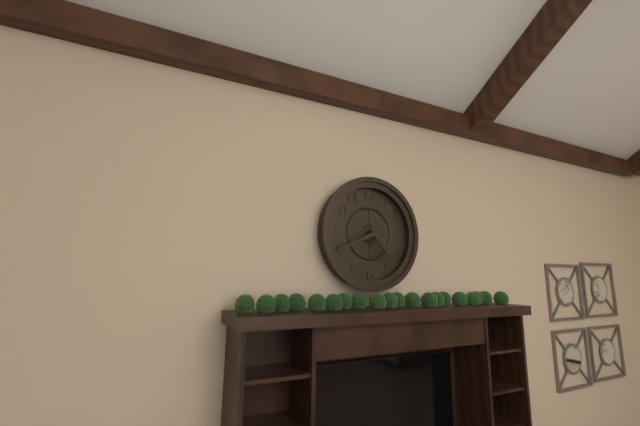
4h41
